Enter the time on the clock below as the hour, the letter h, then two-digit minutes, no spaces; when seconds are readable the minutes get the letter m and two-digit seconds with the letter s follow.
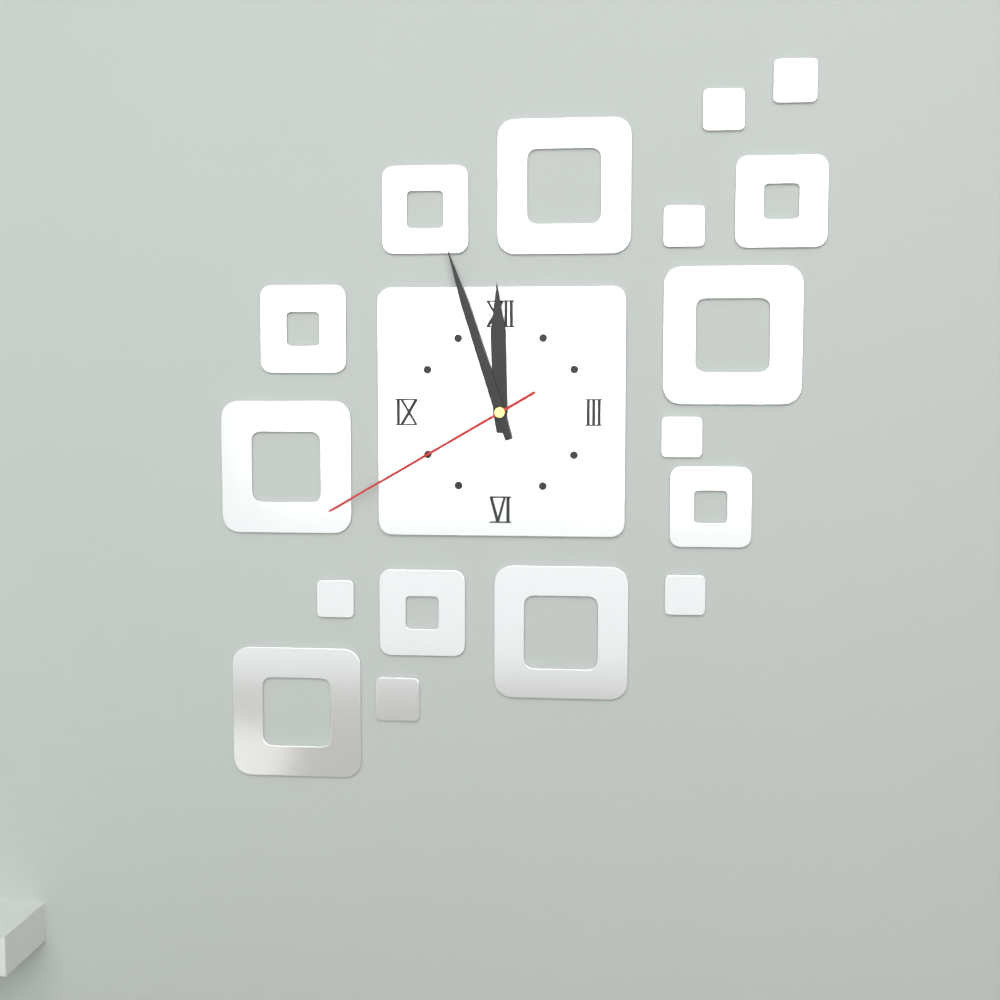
11h57m40s
